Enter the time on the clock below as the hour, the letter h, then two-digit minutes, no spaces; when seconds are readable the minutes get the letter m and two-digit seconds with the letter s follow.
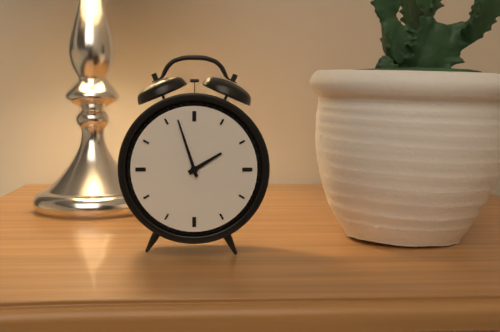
1h57
